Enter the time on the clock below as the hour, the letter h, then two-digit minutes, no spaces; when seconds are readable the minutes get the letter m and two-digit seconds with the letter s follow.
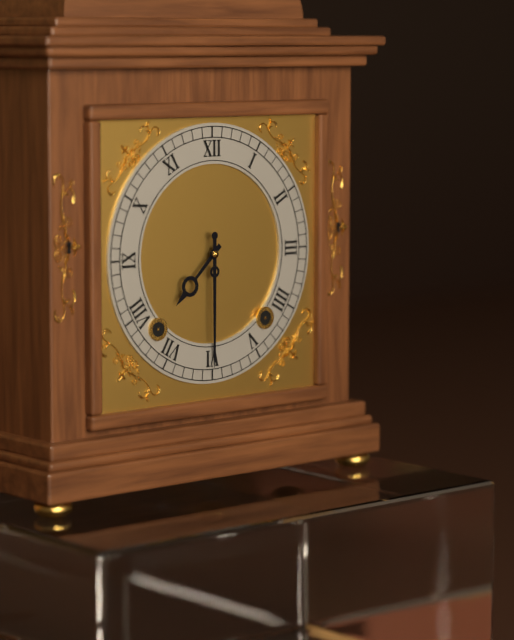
7h30
